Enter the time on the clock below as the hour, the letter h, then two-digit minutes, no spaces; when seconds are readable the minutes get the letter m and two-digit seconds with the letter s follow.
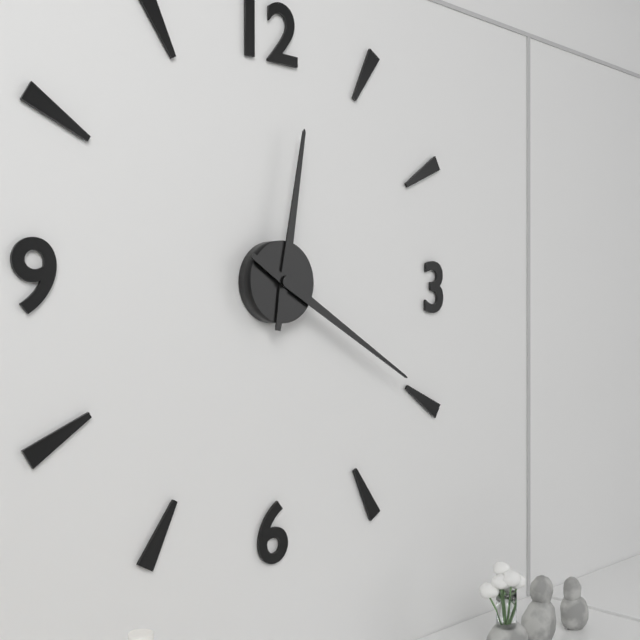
12h20
